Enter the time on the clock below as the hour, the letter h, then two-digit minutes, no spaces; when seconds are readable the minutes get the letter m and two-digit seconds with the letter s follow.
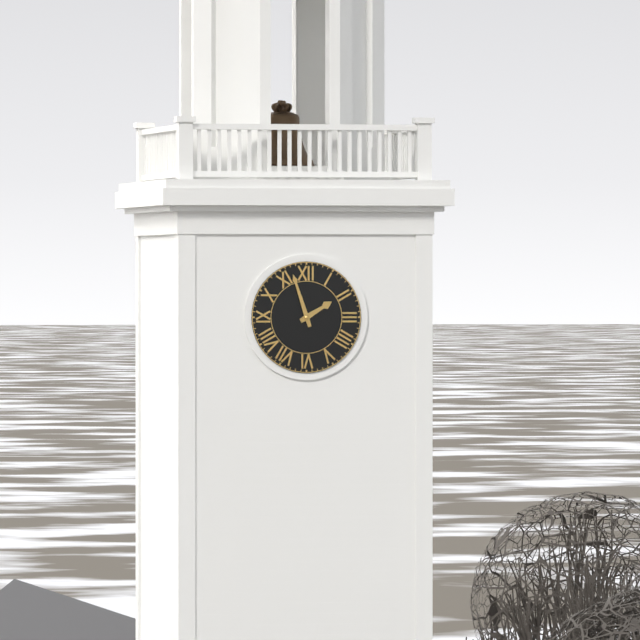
1h57
